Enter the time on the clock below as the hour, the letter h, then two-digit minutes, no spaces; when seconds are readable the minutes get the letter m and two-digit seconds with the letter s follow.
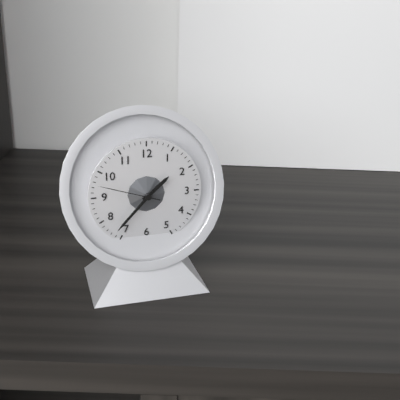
1h37m48s
